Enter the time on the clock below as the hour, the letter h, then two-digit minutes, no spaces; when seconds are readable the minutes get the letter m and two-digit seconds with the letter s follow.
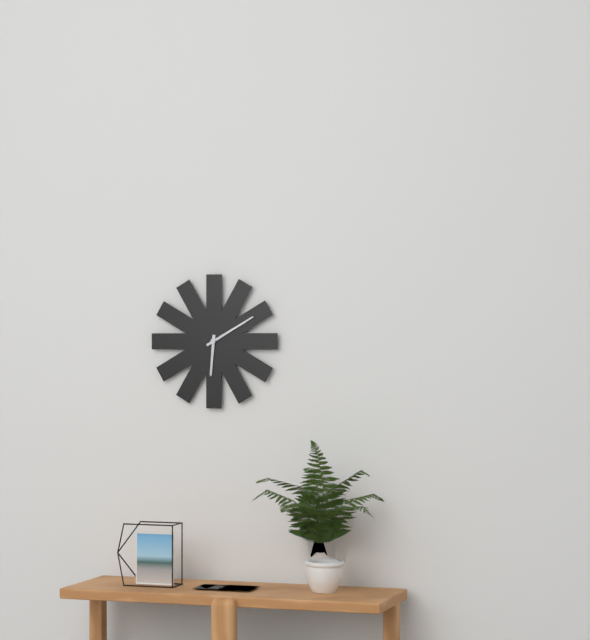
6h10
